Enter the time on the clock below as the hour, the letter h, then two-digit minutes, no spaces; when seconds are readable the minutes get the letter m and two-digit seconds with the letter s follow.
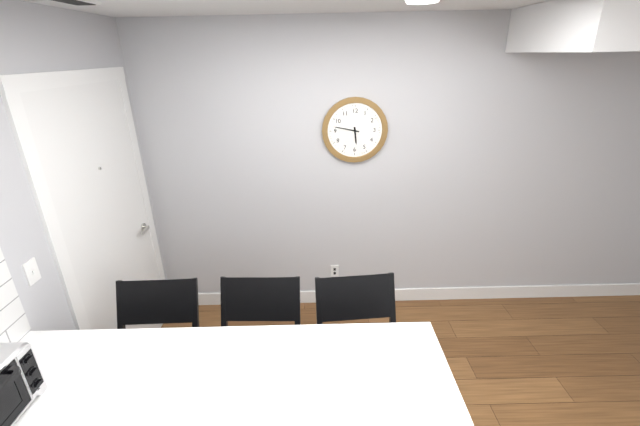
5h47
